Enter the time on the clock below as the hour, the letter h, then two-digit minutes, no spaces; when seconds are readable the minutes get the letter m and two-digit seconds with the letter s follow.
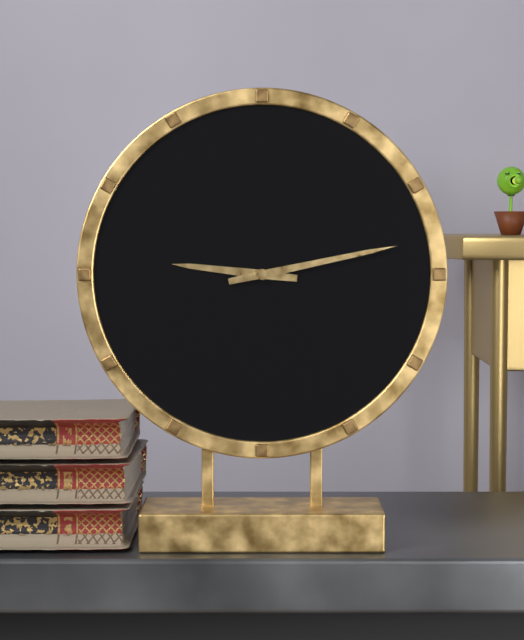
9h13
